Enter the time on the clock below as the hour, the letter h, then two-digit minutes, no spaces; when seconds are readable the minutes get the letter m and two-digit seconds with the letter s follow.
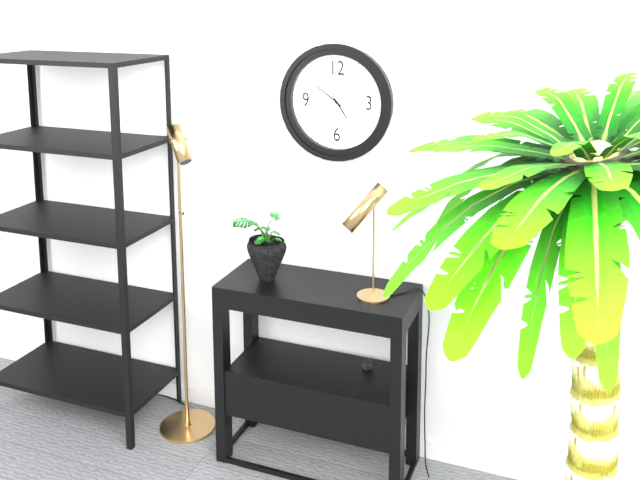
4h51
